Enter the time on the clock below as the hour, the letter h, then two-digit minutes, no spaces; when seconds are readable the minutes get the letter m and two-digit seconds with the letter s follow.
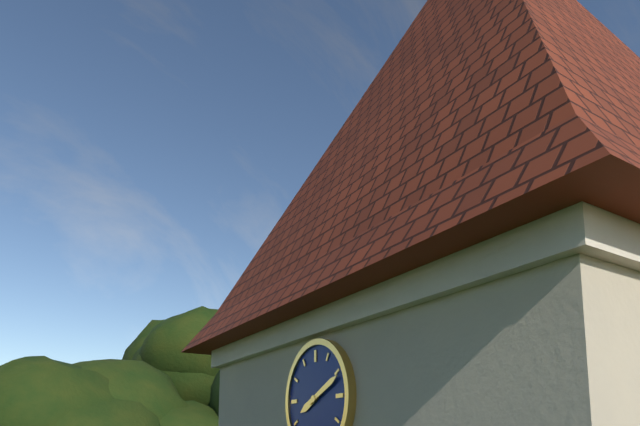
8h11
